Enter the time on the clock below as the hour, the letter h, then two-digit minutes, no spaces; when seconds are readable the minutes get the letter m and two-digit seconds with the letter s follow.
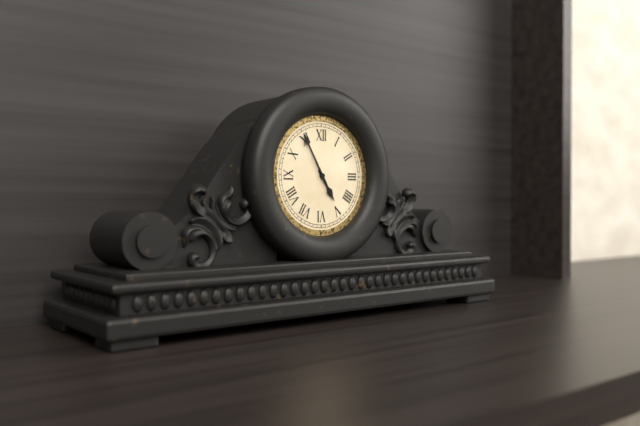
4h55
